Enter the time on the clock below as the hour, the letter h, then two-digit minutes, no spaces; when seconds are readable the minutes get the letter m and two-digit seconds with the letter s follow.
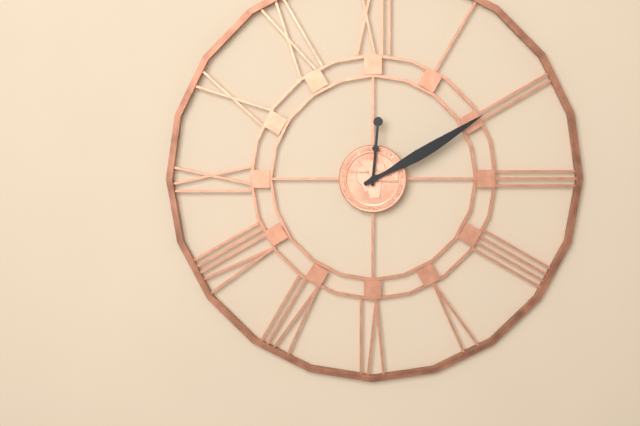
12h10
